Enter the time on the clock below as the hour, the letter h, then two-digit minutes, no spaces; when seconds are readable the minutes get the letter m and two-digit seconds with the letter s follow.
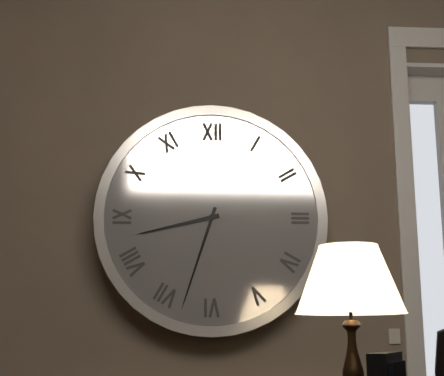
8h33
